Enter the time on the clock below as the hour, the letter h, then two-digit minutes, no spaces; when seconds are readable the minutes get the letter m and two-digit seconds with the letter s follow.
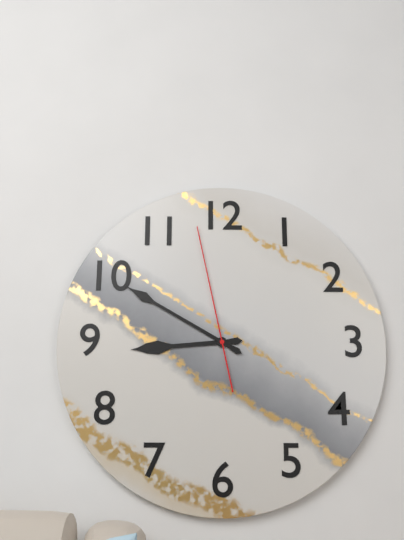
8h50m58s
